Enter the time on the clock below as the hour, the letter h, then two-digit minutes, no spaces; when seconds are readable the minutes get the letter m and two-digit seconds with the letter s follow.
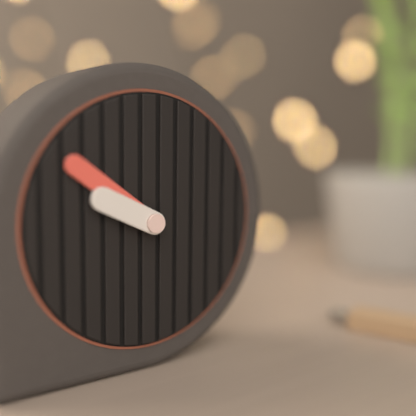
9h51
